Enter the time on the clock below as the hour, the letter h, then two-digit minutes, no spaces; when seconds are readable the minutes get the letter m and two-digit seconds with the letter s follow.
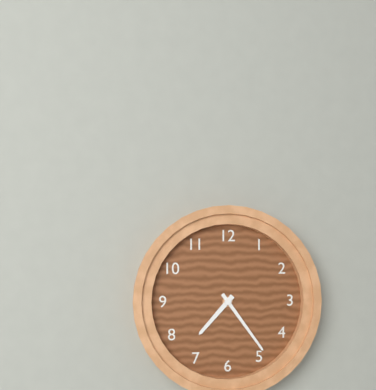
7h24
